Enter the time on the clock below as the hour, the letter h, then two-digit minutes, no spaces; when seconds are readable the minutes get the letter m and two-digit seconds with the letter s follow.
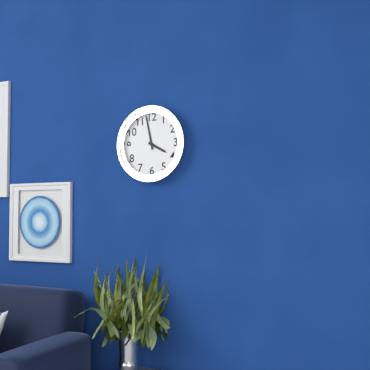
3h58
